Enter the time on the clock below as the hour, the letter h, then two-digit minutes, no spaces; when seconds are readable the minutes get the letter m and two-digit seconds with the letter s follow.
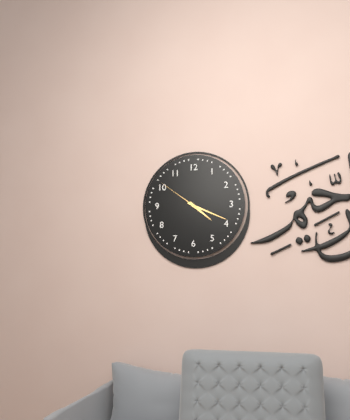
4h19
